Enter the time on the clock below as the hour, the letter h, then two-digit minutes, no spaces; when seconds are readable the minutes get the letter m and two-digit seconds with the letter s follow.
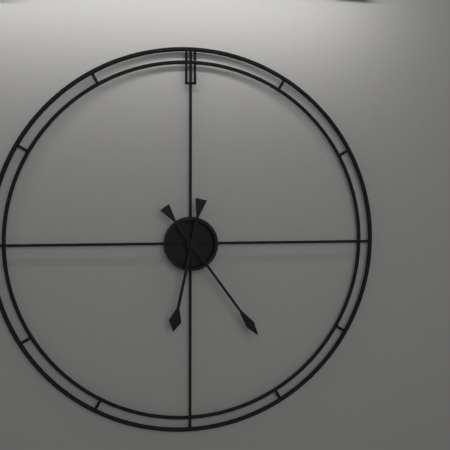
6h24
